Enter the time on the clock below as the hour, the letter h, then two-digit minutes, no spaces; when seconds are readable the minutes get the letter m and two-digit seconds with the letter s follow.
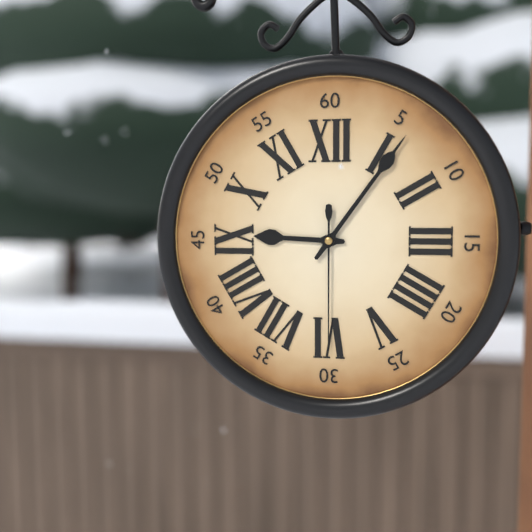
9h06m30s
